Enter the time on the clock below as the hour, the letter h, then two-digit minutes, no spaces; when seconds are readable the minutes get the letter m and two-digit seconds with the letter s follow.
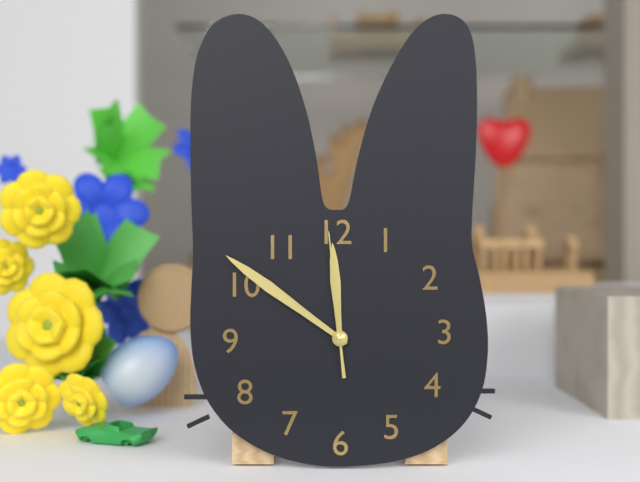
11h51m59s
